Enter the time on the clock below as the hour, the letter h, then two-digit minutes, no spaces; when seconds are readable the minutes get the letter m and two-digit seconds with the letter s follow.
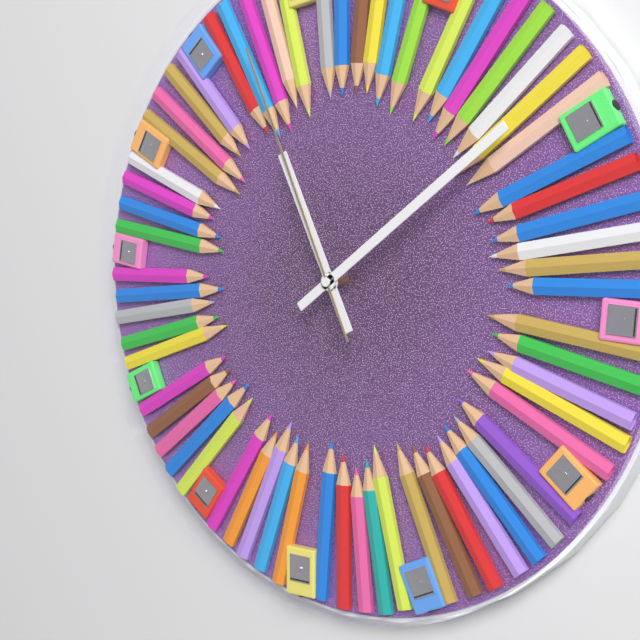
11h09m56s
